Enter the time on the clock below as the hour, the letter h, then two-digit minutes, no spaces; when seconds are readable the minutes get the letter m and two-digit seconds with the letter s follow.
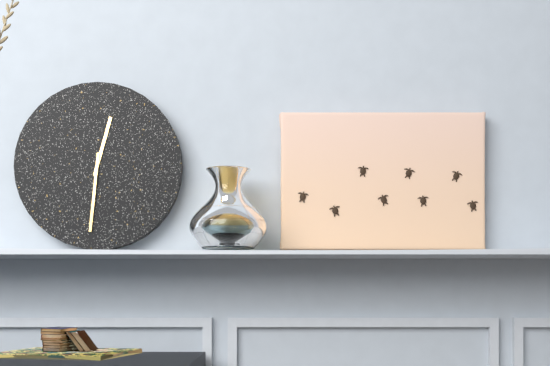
12h31
